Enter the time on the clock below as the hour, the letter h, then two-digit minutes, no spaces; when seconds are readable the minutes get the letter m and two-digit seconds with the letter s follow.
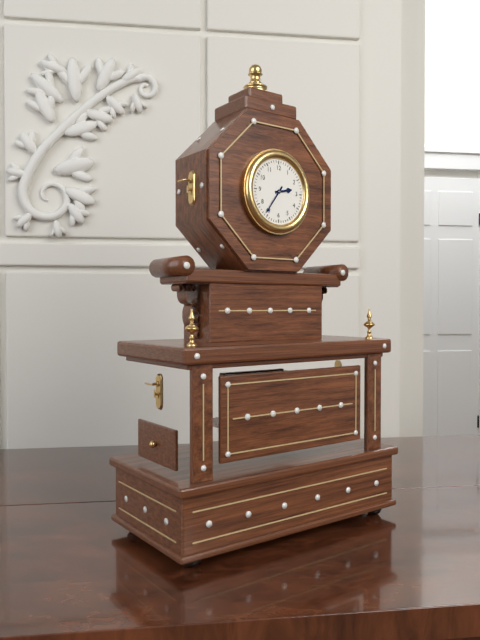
2h36
